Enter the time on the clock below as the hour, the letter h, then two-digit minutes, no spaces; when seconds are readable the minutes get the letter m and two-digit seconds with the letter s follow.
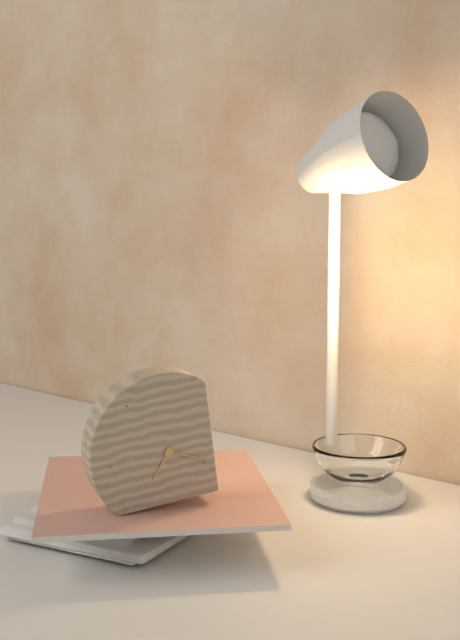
7h19
